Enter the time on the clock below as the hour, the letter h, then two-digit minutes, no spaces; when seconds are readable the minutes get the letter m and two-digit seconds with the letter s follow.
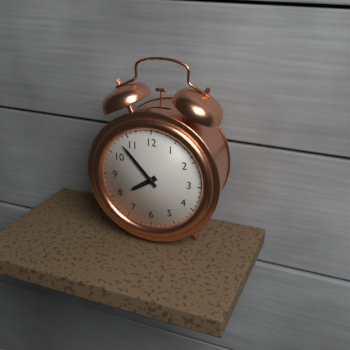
7h53
